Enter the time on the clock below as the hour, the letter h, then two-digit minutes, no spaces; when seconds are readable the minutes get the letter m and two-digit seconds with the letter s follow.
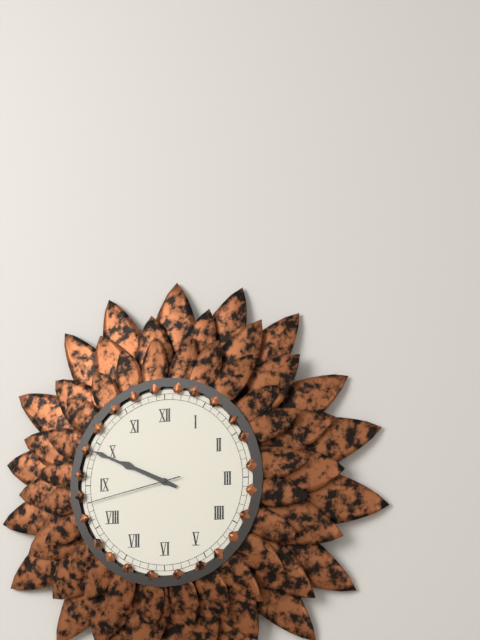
9h49m43s
